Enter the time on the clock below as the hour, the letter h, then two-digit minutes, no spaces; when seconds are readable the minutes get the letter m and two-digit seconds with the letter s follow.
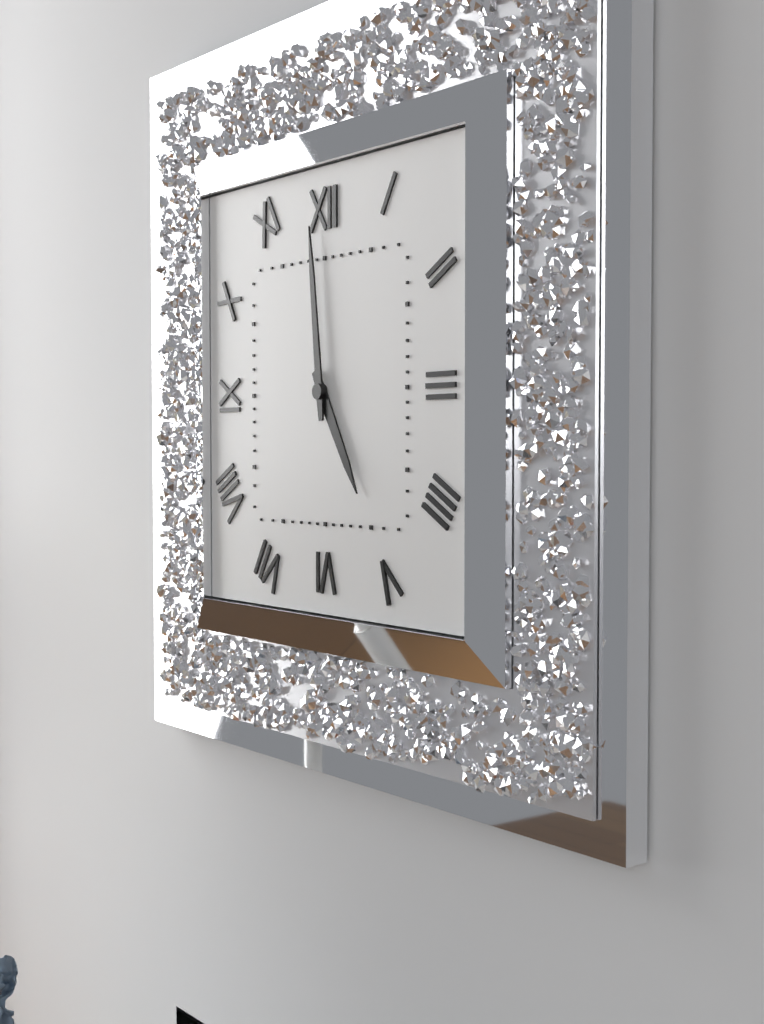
4h59
